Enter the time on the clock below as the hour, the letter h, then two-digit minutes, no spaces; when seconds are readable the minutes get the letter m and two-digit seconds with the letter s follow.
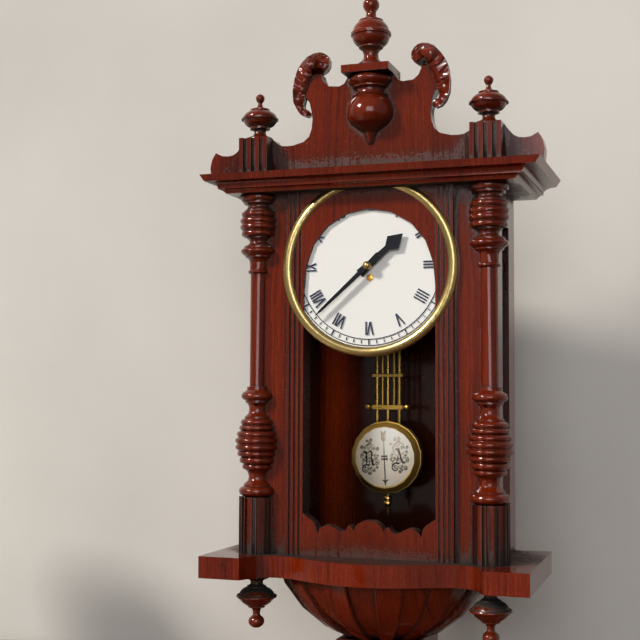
1h38
